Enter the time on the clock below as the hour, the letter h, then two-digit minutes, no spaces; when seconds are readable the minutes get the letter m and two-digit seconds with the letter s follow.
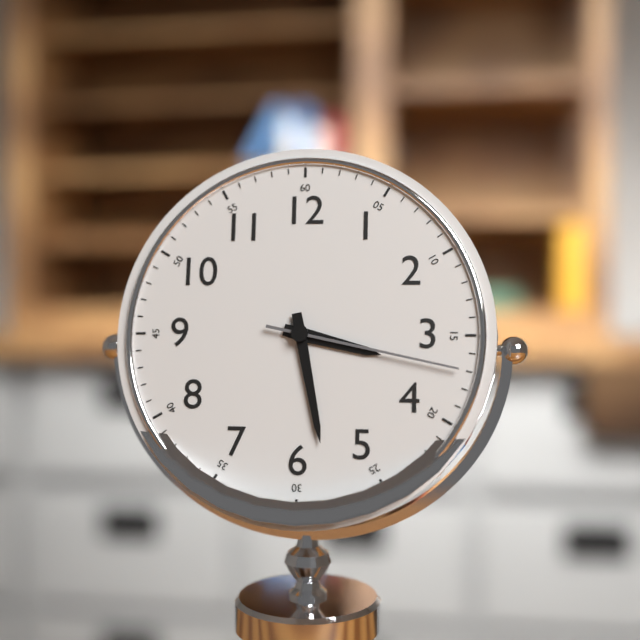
3h28m17s
